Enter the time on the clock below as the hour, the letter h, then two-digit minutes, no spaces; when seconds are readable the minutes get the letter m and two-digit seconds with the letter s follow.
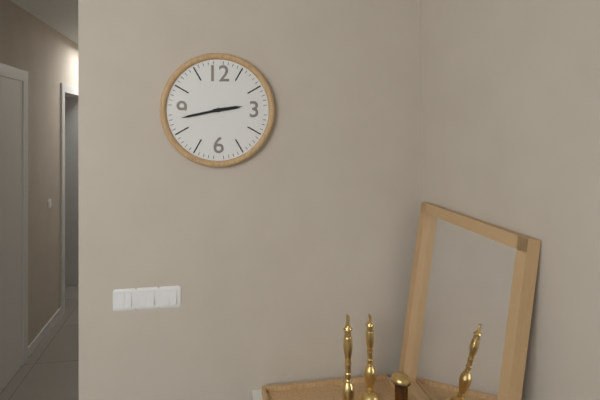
2h43
